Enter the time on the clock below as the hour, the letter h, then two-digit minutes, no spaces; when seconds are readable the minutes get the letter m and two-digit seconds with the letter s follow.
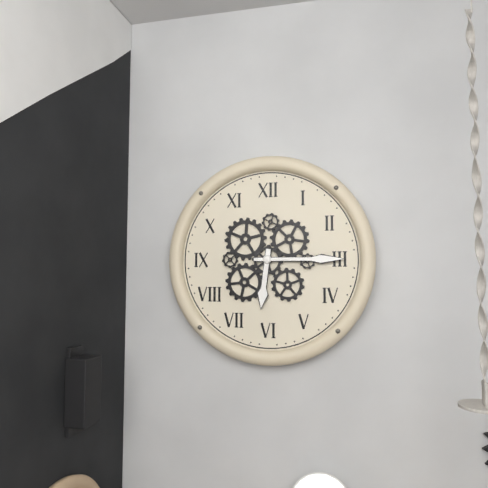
6h15
